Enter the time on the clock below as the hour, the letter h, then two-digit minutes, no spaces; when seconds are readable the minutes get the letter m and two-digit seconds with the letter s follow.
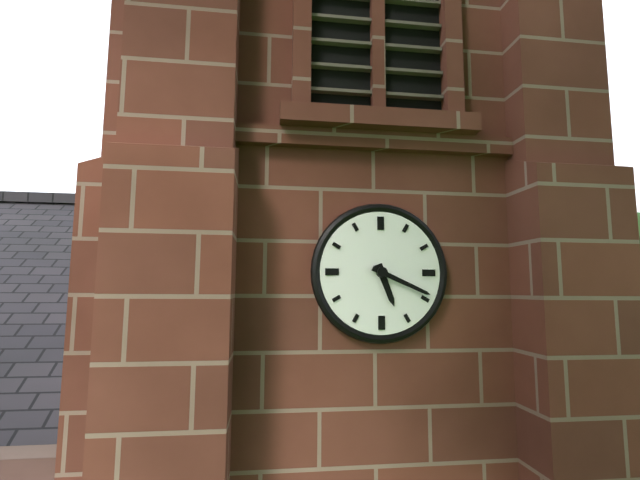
5h19
